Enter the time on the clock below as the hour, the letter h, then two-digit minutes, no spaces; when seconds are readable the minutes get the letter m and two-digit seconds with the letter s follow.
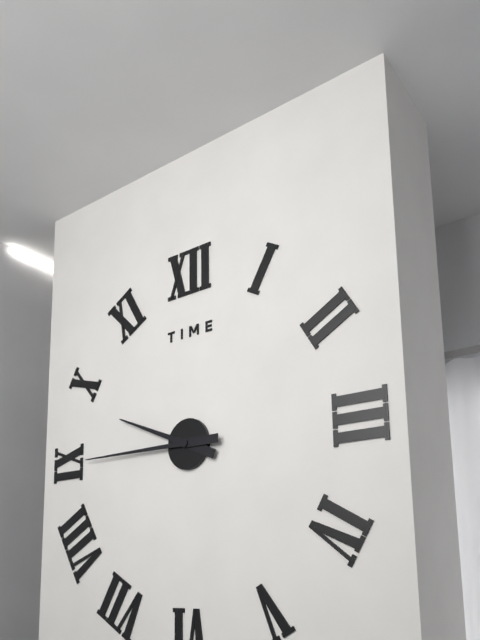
9h45
